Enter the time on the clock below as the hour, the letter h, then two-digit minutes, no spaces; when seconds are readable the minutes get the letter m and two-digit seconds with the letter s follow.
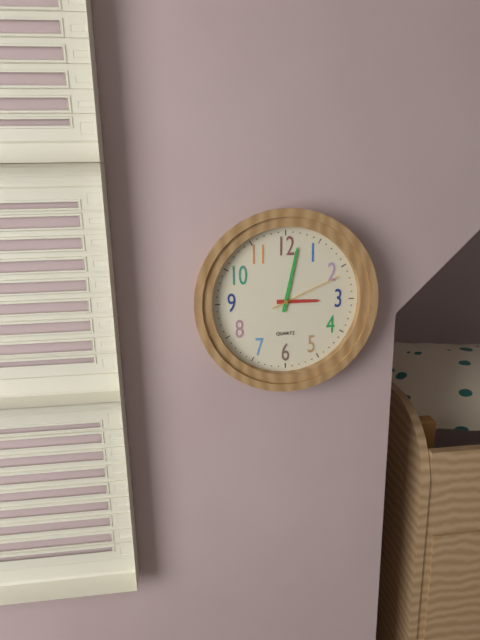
3h02m11s
